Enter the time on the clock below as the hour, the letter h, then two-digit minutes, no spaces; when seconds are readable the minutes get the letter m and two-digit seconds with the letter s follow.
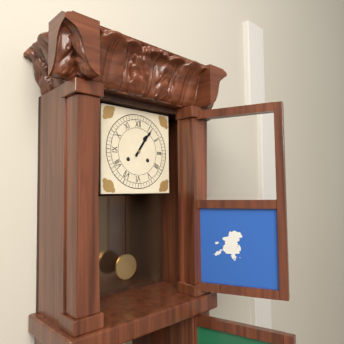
1h06
